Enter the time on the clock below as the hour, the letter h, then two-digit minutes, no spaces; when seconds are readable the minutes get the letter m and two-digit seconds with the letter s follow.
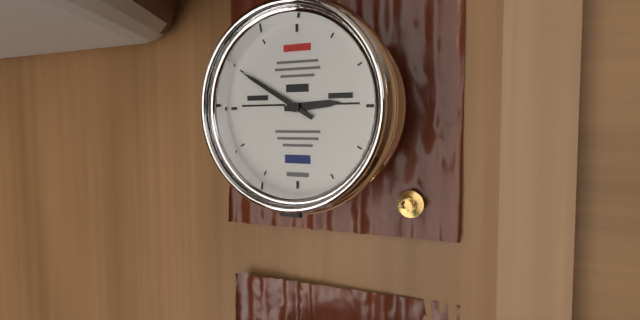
2h50
